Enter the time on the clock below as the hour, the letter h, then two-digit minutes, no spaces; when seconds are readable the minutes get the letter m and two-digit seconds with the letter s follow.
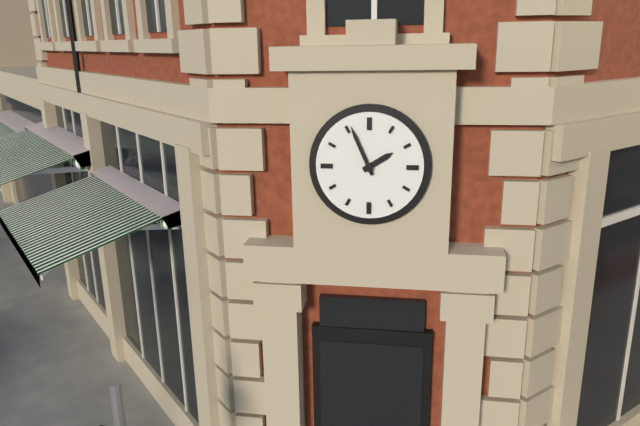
1h56
